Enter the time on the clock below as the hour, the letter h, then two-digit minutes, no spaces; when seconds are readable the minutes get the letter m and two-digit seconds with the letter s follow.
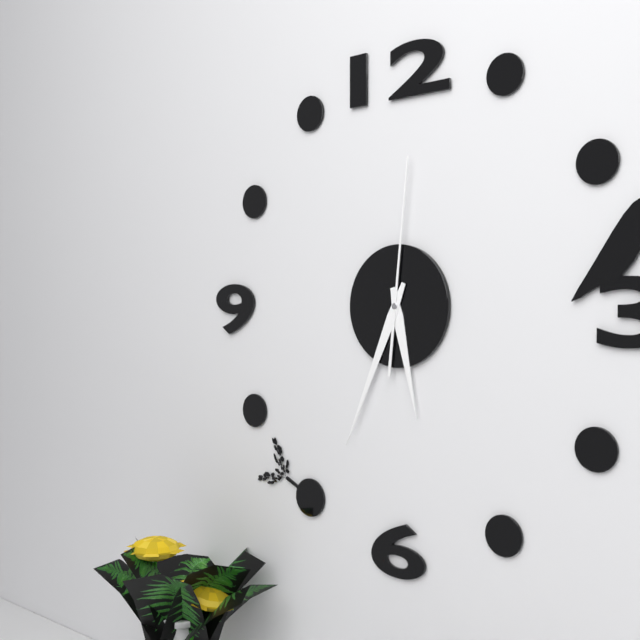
5h34m01s
